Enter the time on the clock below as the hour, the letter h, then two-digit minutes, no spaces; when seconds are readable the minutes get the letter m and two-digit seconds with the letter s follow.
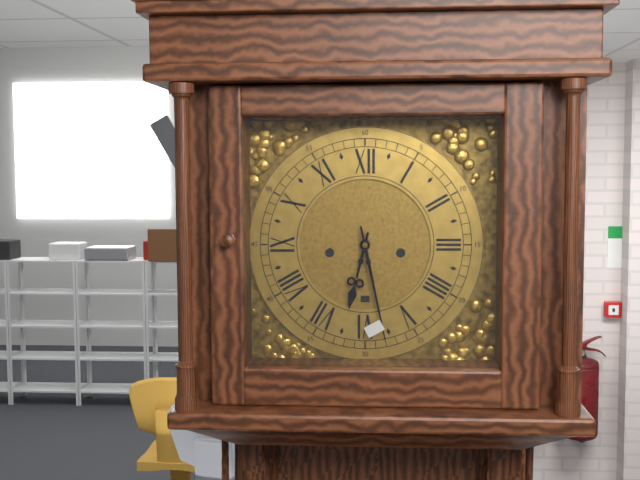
6h28
